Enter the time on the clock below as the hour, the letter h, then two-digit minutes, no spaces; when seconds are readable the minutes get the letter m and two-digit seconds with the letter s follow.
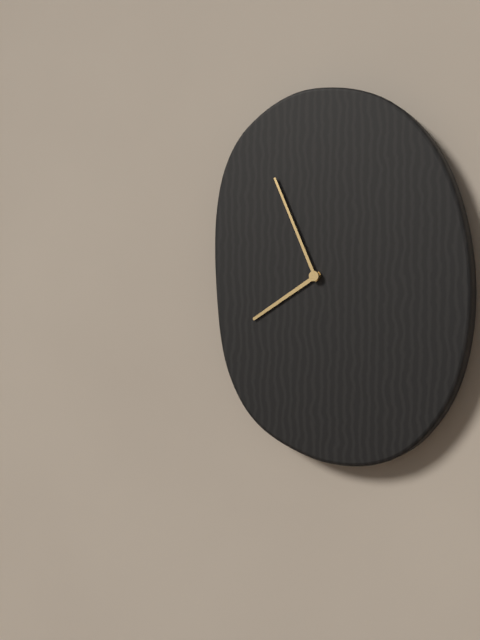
7h56
